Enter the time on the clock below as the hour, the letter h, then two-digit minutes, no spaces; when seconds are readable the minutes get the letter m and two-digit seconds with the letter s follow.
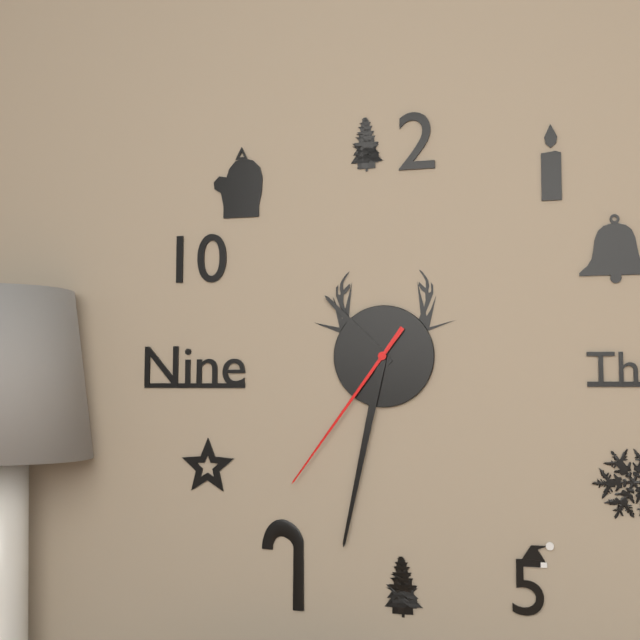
10h32m36s
